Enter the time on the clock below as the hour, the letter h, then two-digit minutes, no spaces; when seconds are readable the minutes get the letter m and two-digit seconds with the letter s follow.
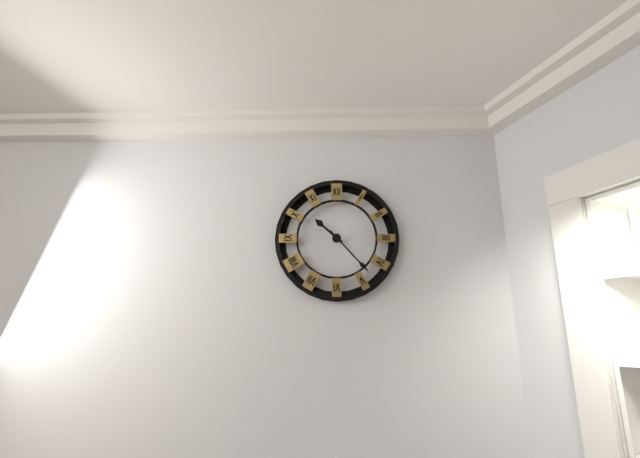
10h23
